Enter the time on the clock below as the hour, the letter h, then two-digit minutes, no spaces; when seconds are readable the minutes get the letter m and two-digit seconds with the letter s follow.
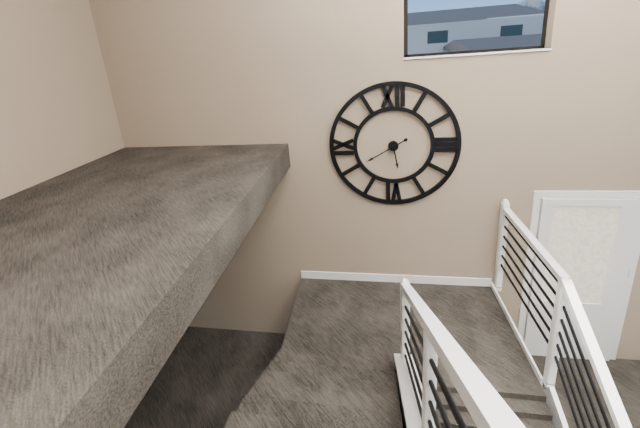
5h40
